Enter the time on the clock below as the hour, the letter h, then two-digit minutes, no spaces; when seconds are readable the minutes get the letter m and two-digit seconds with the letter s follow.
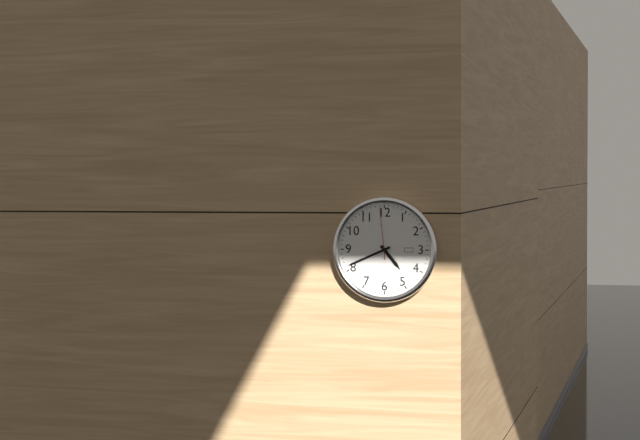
4h41m59s
